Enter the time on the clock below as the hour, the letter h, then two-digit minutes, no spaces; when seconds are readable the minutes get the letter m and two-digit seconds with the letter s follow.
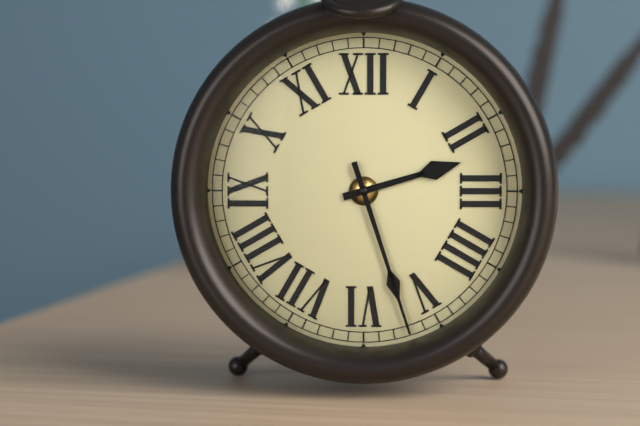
2h27
